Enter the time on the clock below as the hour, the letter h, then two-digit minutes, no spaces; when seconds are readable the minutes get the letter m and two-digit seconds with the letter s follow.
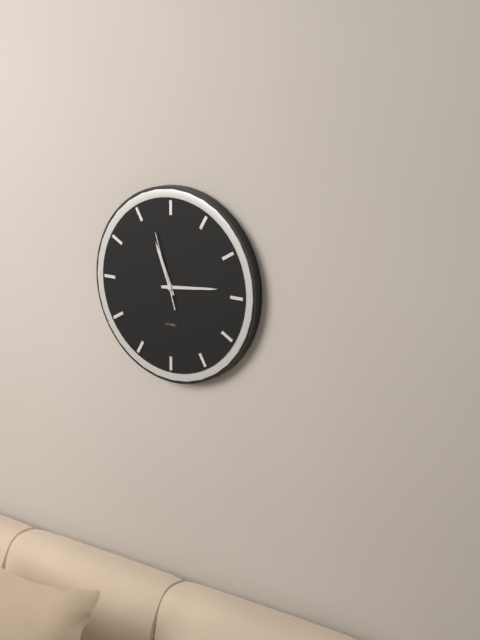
11h14m57s
